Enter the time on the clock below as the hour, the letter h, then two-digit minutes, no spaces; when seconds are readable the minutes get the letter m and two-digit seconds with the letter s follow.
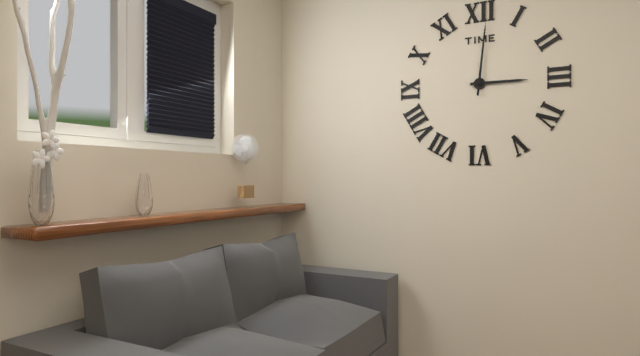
3h01
